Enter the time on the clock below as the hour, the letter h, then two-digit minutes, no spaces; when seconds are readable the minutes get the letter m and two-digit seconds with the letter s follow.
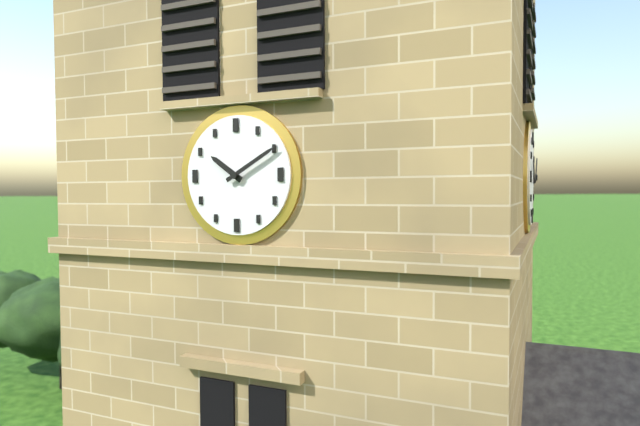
10h10
